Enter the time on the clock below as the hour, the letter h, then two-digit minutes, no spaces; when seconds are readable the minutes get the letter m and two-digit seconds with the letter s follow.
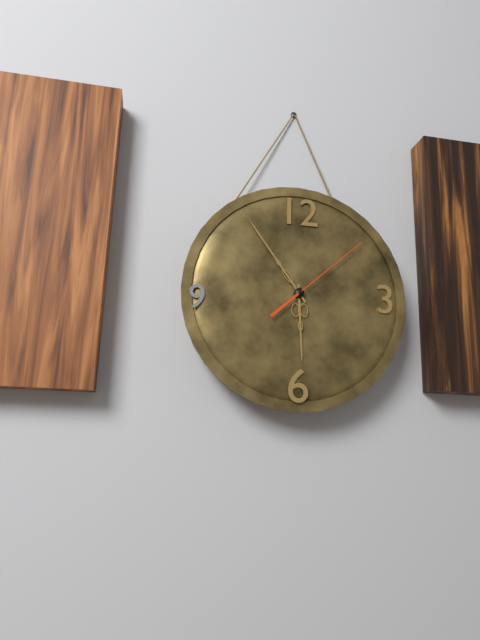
5h54m08s
